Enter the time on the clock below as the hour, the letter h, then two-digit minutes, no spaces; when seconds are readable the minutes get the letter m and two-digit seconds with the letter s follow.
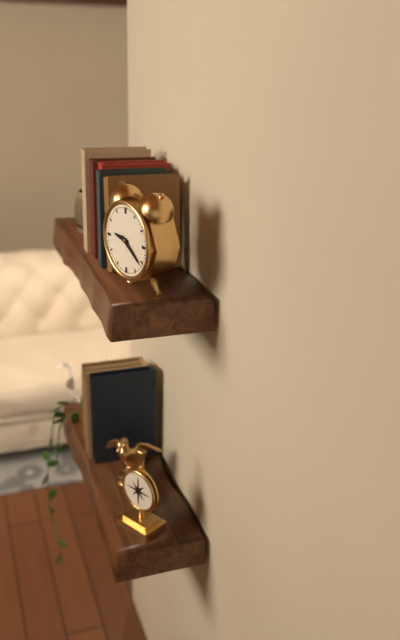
9h21
